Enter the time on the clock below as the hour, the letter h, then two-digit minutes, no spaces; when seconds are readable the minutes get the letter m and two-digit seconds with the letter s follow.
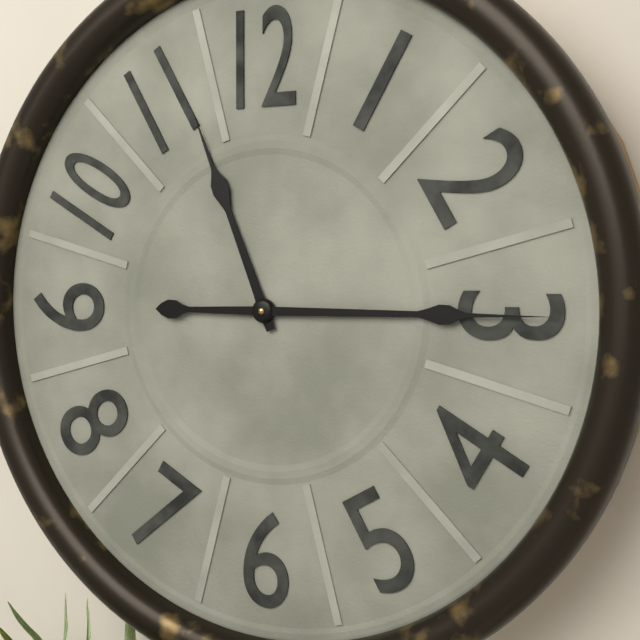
11h15
